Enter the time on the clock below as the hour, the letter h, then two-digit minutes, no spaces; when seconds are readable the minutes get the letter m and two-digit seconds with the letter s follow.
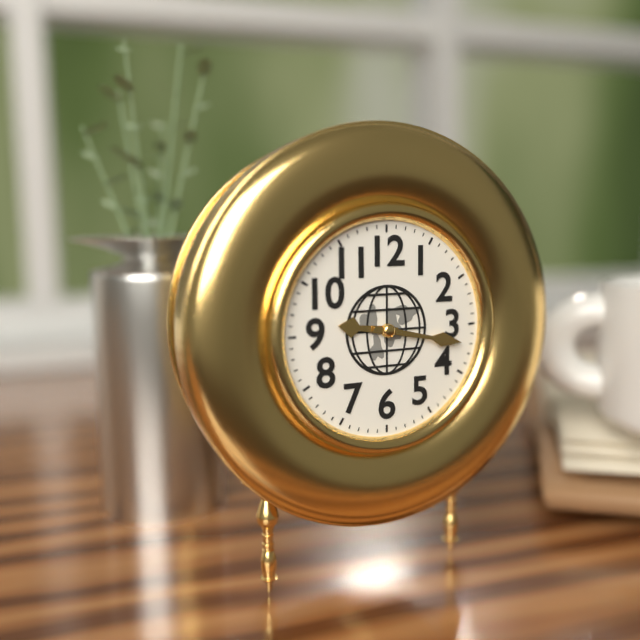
9h17
